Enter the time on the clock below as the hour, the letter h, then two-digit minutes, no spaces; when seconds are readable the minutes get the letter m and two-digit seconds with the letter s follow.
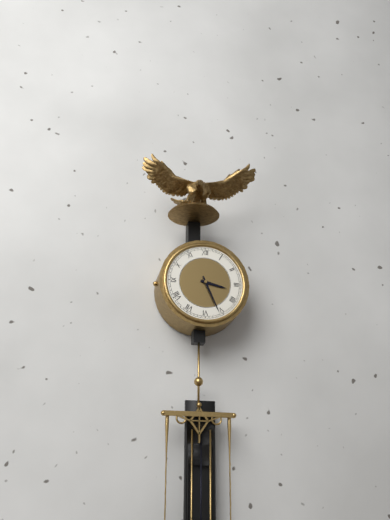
3h26
